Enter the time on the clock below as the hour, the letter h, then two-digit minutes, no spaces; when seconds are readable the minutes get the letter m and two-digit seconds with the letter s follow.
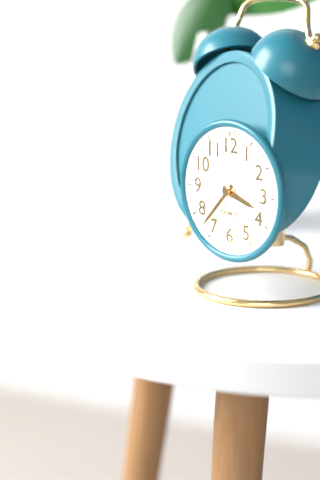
3h37
